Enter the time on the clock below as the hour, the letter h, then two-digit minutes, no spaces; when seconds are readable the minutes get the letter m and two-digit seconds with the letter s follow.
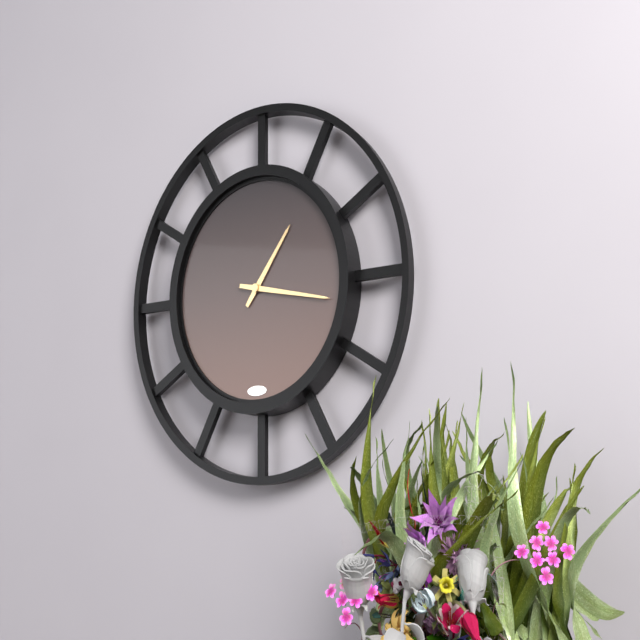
1h17
